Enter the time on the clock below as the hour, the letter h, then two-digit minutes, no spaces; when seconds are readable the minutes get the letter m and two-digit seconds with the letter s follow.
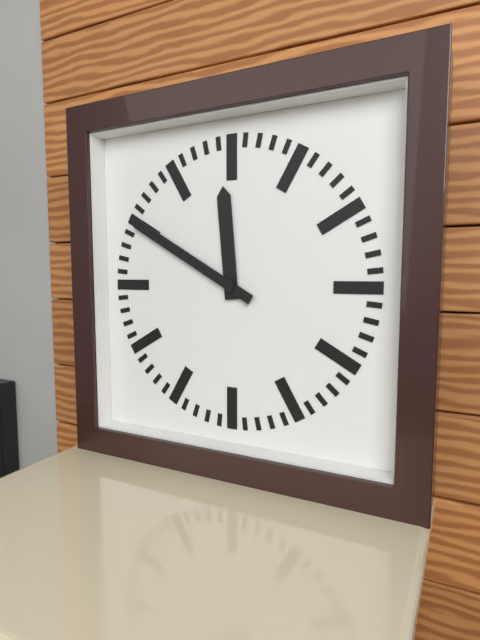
11h50
